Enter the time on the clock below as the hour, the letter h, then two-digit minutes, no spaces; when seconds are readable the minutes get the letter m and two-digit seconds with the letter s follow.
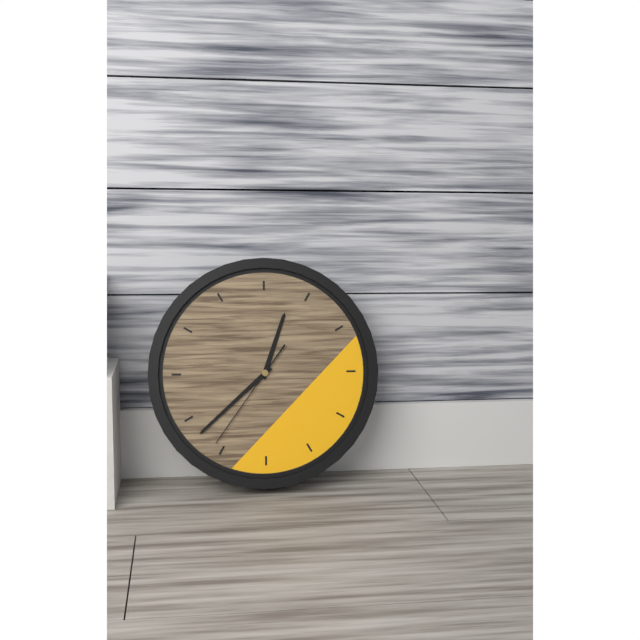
12h38m36s
